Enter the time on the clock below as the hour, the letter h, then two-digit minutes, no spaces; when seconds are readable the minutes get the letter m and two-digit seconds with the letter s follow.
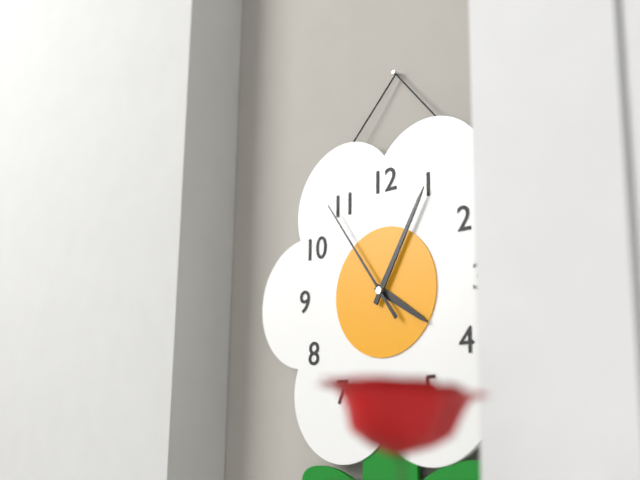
4h05m54s
